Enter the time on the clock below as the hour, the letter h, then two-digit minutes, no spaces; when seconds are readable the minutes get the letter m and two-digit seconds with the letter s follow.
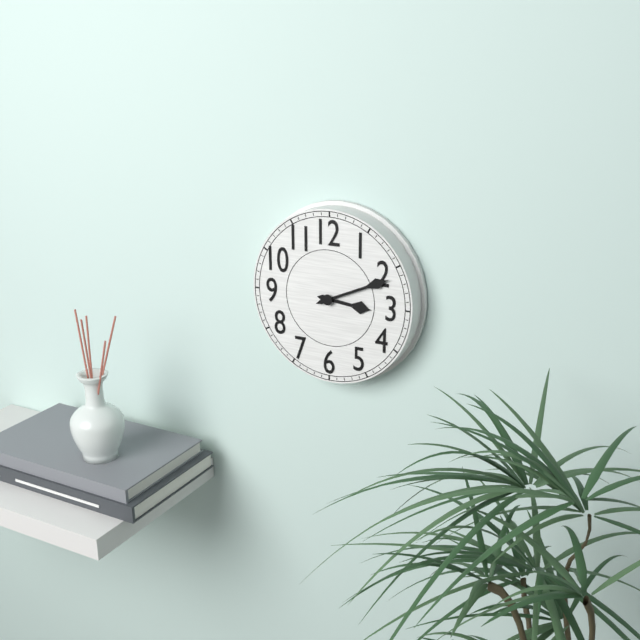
3h11
